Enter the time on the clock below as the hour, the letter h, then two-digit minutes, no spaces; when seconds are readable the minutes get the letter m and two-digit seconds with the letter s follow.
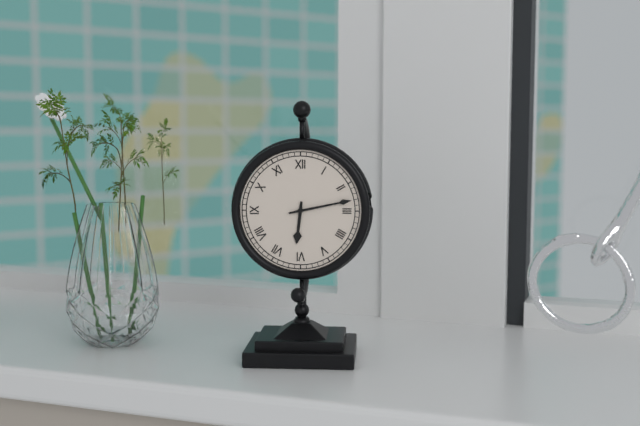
6h13
